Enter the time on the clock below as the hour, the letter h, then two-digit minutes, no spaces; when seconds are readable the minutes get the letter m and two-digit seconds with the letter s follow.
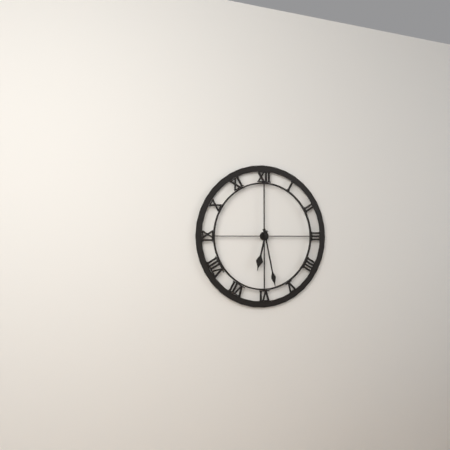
6h28
